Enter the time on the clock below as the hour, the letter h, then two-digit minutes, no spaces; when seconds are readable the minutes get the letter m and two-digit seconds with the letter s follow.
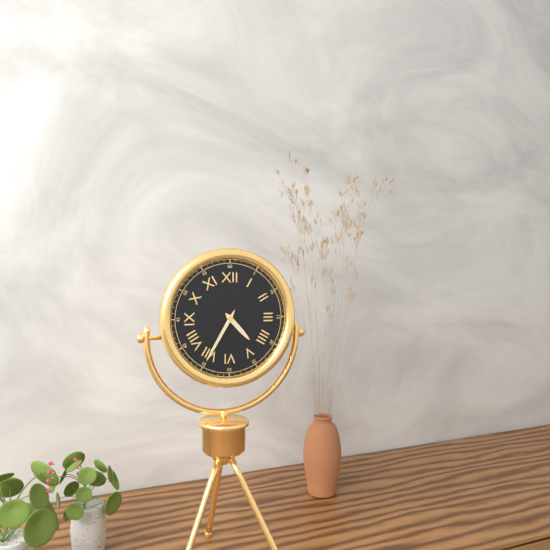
4h35
